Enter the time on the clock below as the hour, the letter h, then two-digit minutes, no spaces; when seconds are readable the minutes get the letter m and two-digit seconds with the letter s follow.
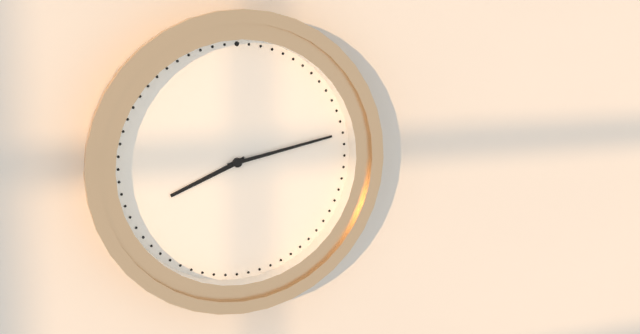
8h13
